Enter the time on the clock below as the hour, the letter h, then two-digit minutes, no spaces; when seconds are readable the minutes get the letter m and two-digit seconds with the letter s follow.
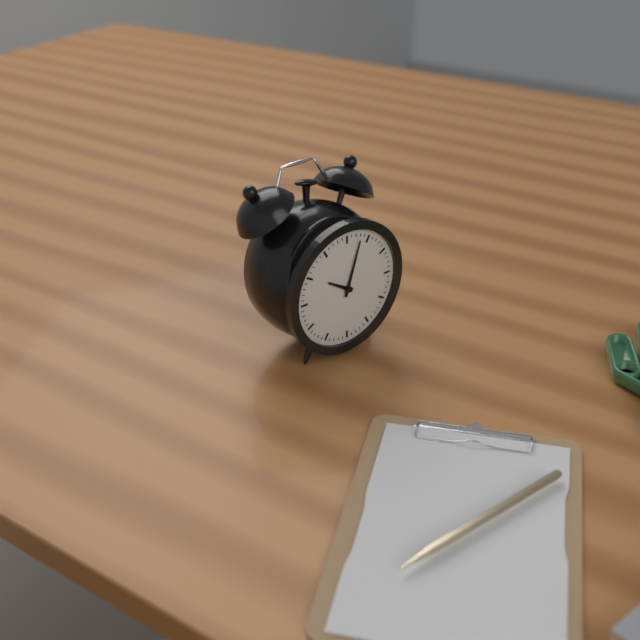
10h03
